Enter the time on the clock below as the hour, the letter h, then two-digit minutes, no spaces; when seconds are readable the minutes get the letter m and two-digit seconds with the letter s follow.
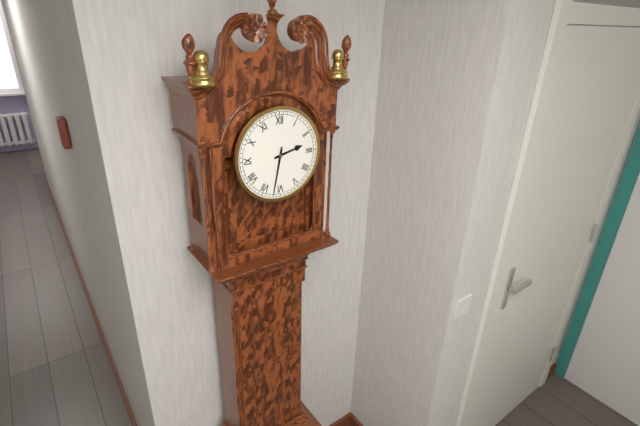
2h32
